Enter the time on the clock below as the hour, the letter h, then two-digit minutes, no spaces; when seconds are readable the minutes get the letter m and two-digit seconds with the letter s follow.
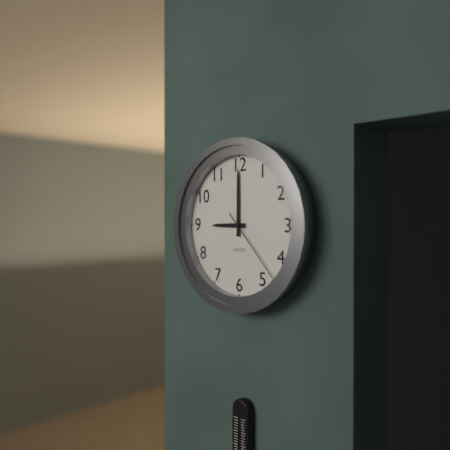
9h00m23s
